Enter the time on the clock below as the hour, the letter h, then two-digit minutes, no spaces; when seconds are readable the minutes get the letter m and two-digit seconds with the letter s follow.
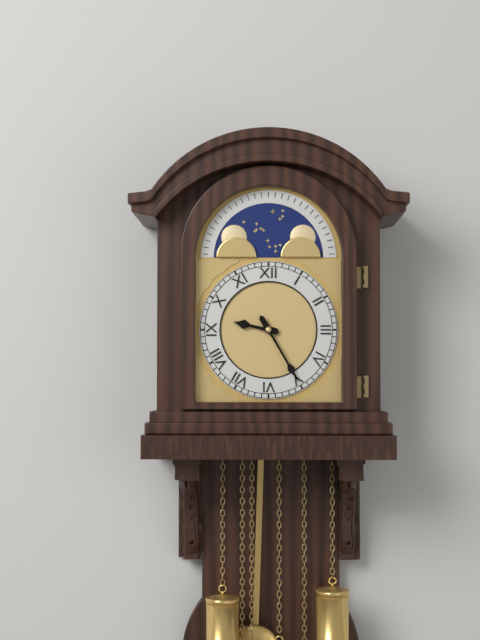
9h25
